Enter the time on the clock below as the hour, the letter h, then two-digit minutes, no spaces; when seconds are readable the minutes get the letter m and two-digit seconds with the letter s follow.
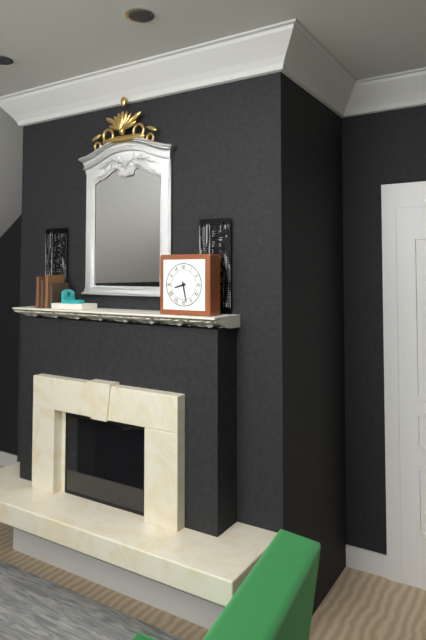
8h28
